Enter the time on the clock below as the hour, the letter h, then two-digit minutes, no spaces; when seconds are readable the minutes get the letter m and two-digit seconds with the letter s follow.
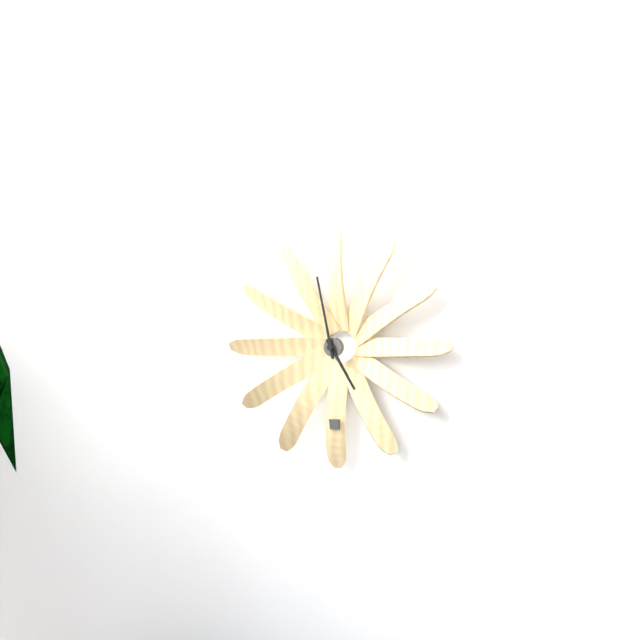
4h58
